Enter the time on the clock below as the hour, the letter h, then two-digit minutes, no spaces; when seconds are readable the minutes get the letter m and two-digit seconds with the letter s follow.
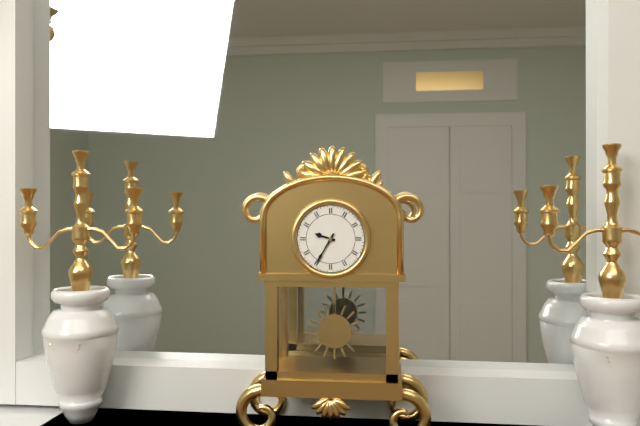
9h35
